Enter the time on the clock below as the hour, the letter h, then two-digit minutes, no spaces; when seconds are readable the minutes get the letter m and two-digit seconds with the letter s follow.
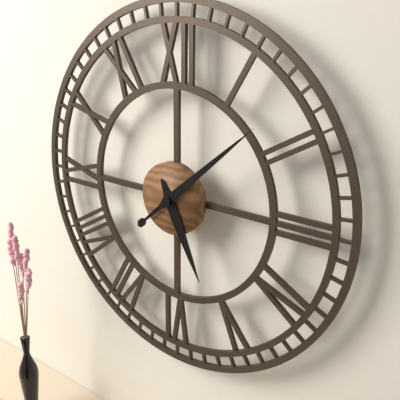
5h08
